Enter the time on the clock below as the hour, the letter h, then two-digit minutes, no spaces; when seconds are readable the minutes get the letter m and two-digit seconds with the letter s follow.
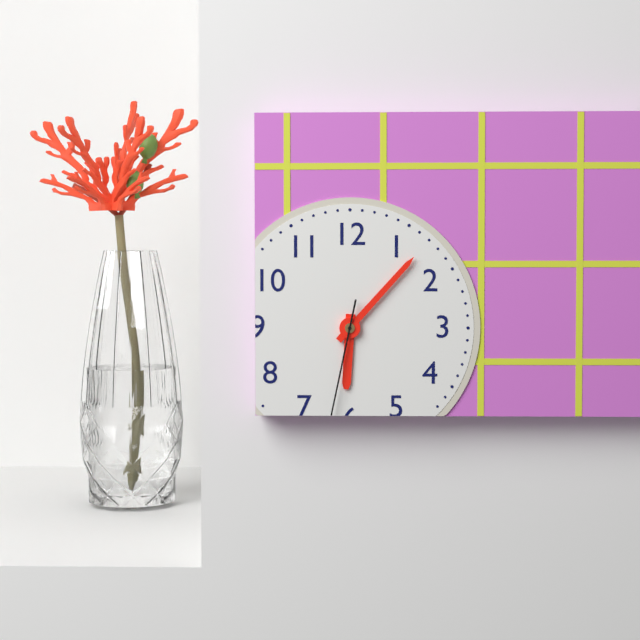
6h07m32s
